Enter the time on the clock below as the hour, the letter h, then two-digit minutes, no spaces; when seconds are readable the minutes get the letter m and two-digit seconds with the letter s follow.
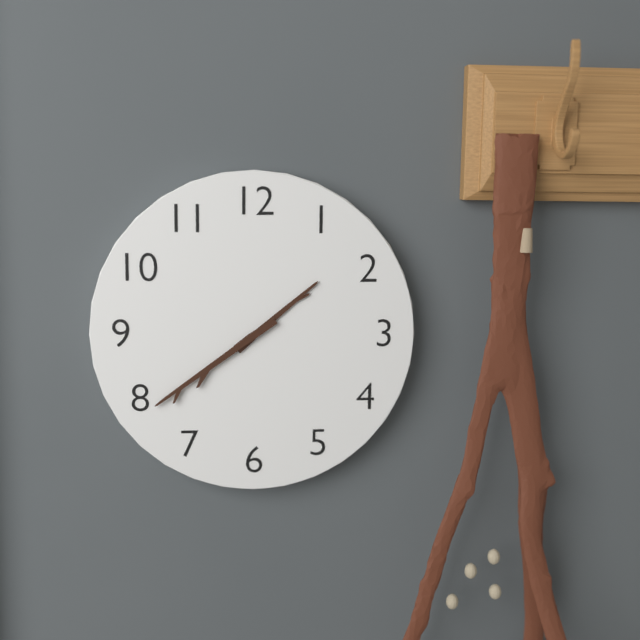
1h39
